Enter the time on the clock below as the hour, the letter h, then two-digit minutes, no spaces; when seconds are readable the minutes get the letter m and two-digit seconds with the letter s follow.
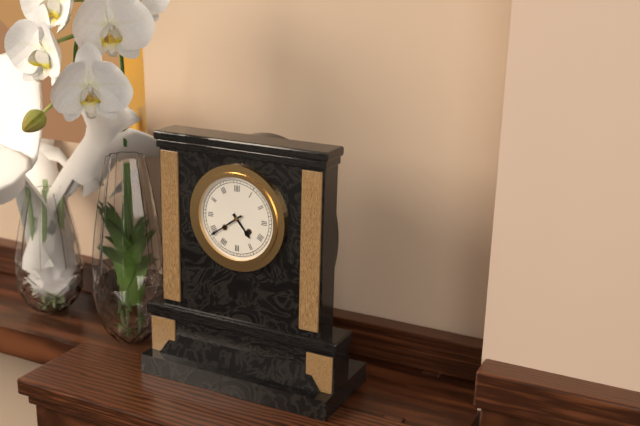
4h39
